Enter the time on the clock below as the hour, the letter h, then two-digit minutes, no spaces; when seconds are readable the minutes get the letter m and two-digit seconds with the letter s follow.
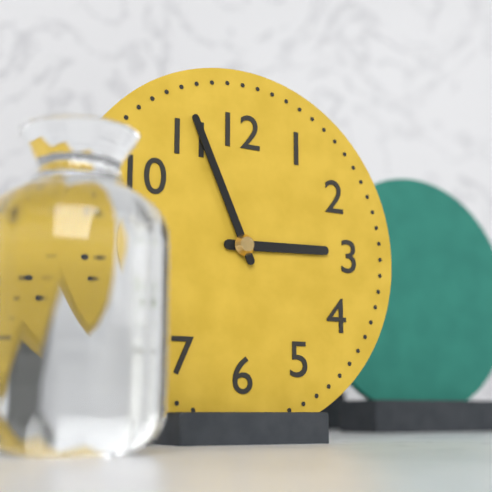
2h56
